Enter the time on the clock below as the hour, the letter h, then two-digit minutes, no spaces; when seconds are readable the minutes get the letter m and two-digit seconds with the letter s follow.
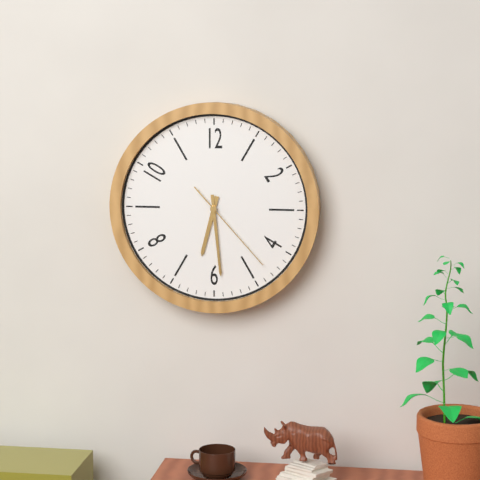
6h29m23s
